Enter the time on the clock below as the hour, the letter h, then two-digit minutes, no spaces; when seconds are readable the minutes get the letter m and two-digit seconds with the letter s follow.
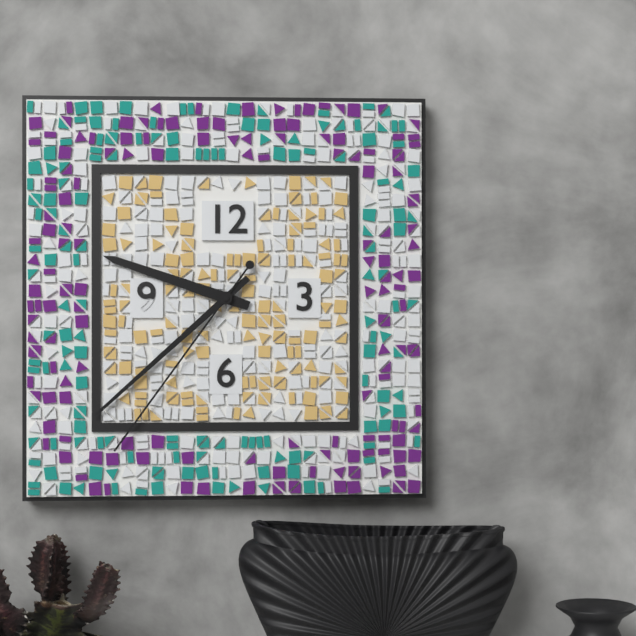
9h38m36s
